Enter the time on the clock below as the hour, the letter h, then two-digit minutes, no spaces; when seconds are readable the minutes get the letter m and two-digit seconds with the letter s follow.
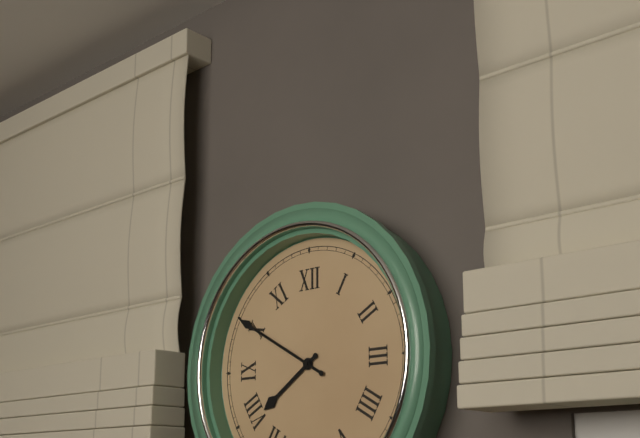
7h50
